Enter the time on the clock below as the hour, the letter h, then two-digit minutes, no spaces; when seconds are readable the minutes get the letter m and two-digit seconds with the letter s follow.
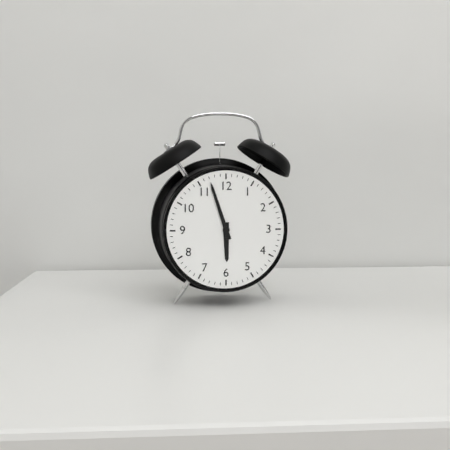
5h57
